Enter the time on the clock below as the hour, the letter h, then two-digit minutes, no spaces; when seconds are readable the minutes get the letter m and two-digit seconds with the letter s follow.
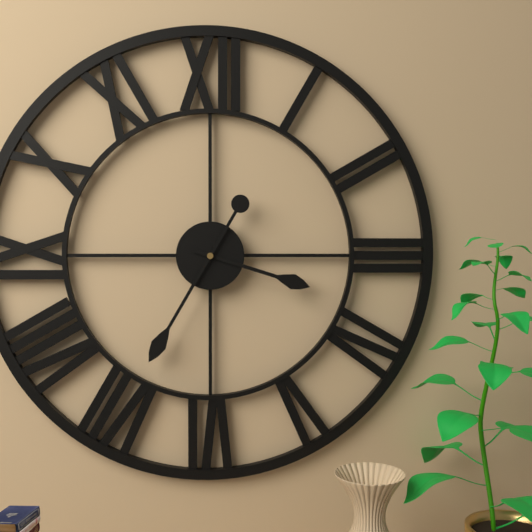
3h35
